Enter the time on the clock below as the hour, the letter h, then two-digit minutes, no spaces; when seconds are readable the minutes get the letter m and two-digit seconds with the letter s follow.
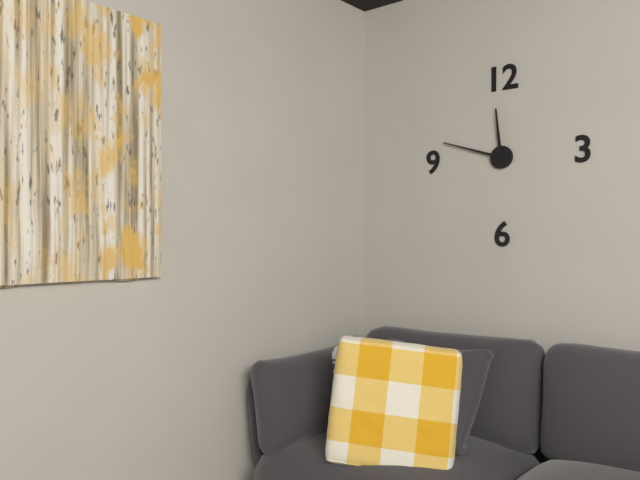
11h48
